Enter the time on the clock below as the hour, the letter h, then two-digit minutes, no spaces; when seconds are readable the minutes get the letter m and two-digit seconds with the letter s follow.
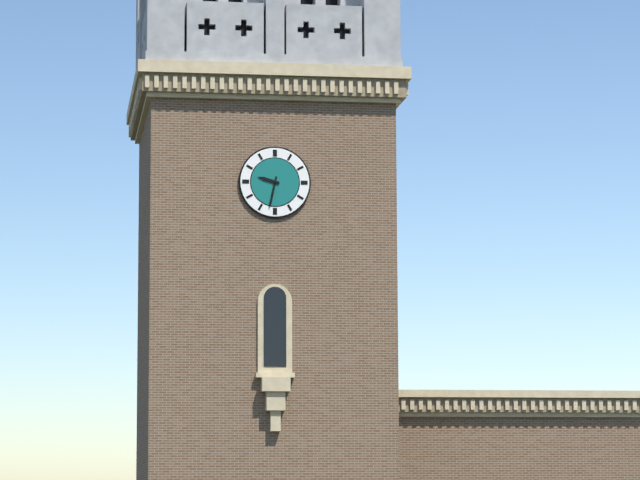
9h32
